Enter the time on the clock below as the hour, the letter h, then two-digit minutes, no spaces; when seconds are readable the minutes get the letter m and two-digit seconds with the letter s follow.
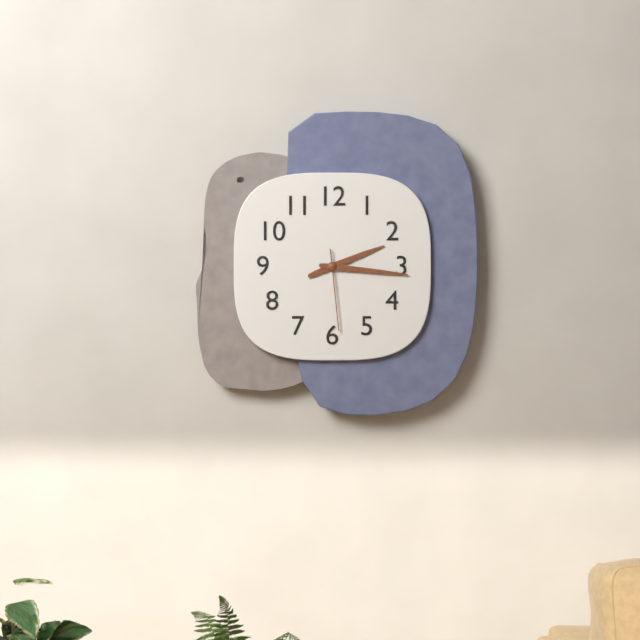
2h16m29s
